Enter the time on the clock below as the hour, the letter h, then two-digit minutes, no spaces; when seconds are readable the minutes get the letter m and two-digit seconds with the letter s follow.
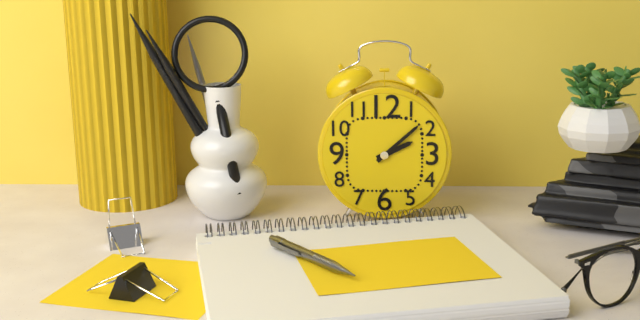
2h08
